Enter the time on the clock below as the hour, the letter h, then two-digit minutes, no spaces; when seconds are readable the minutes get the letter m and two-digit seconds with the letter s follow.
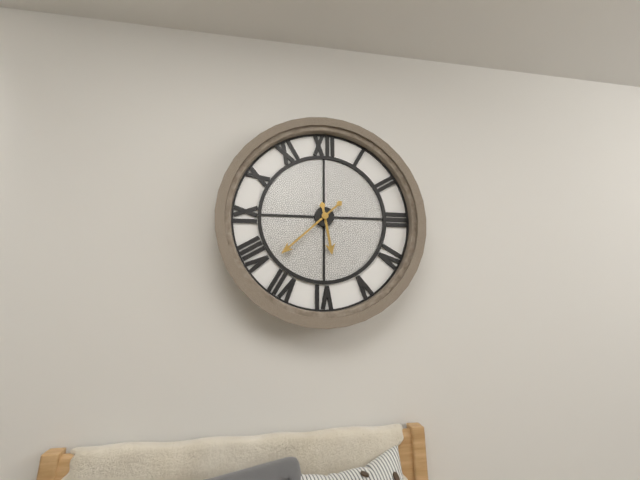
5h38
